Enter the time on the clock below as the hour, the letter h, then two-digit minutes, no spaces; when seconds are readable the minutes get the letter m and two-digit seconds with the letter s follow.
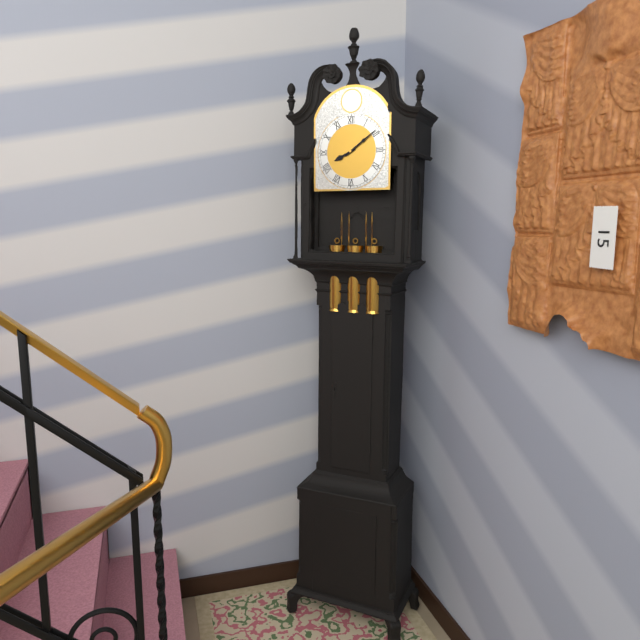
8h09
